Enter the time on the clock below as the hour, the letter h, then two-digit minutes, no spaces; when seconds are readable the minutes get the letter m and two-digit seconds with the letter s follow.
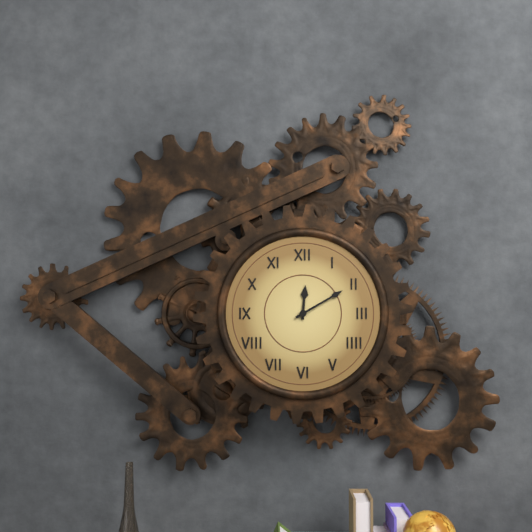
12h10
